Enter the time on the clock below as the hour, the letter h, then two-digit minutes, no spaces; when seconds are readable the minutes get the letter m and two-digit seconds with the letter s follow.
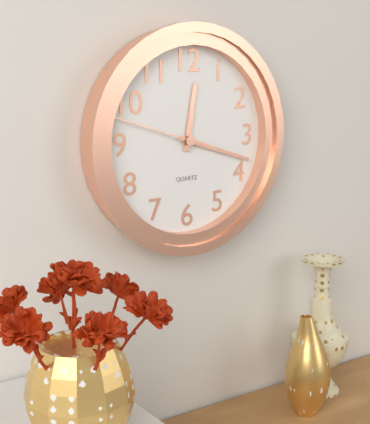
12h18m48s
